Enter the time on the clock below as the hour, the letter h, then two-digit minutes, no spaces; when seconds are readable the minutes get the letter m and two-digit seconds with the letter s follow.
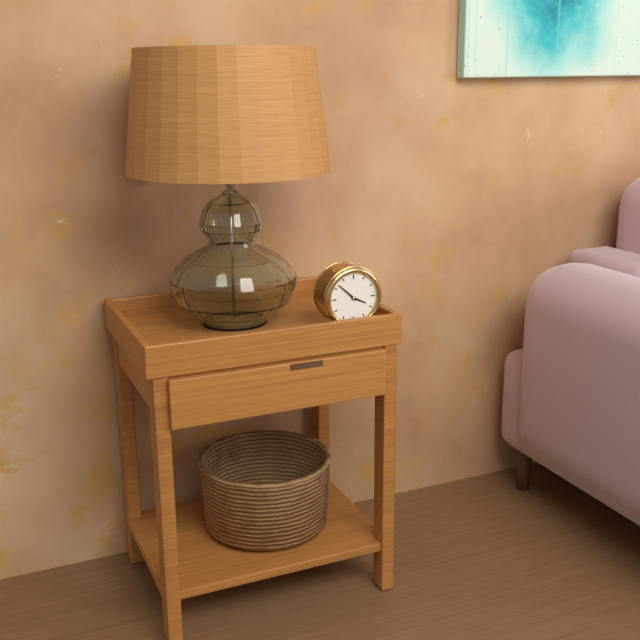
3h52
